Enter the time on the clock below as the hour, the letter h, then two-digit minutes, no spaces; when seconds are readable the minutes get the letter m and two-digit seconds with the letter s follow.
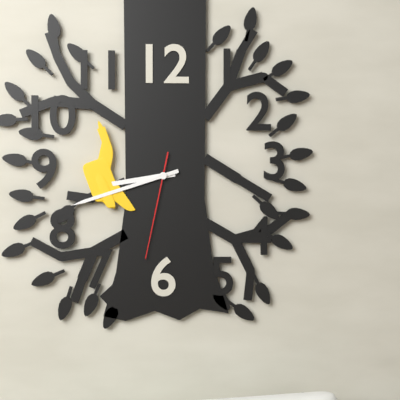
8h42m32s
